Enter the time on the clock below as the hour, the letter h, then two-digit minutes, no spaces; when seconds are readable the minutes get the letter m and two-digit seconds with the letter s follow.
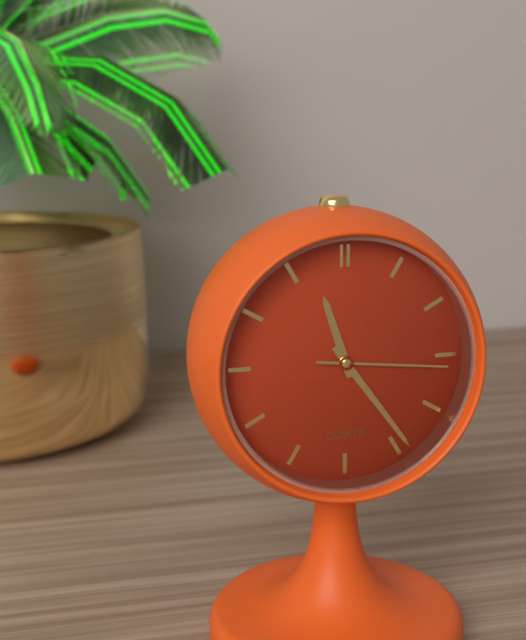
11h24m16s
